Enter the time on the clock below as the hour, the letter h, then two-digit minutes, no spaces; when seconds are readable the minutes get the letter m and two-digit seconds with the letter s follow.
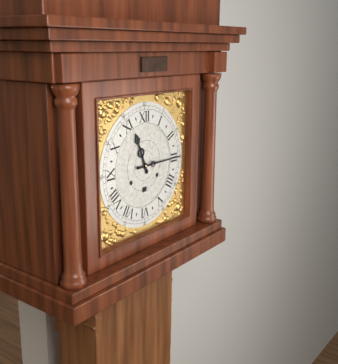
11h15
